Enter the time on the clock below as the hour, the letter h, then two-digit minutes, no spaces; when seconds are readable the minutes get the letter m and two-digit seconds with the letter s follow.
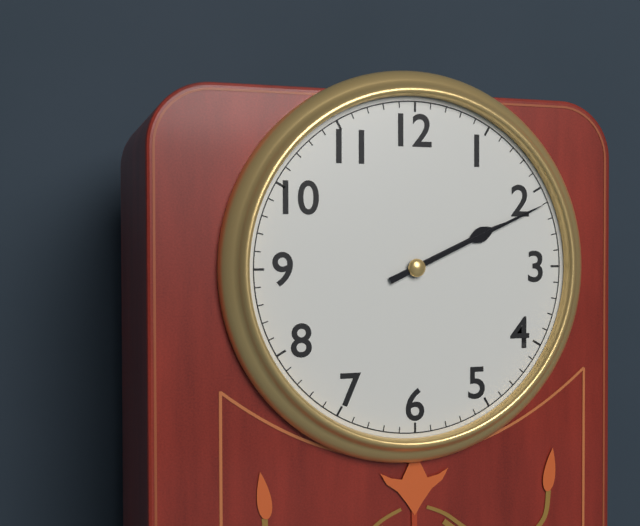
2h11
